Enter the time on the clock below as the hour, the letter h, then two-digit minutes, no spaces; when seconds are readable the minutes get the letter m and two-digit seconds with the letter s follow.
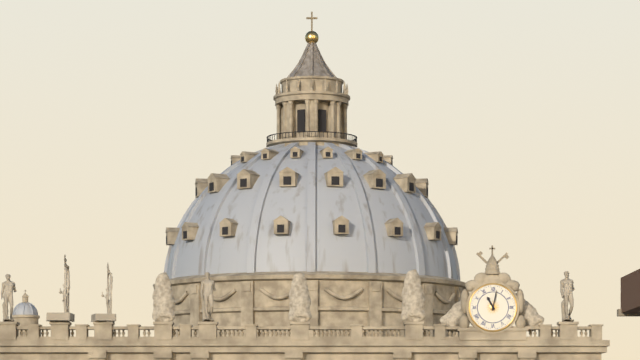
11h02
